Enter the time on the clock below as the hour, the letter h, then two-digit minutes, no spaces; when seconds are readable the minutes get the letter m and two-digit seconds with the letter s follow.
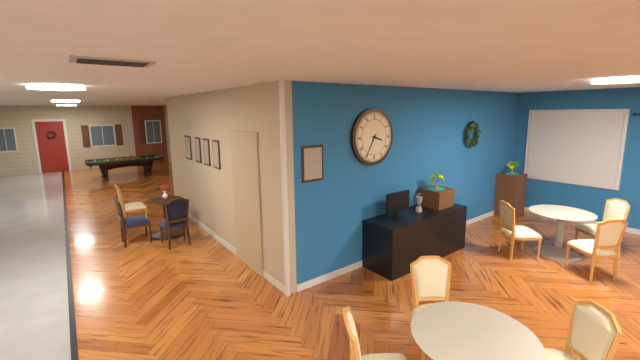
3h35
